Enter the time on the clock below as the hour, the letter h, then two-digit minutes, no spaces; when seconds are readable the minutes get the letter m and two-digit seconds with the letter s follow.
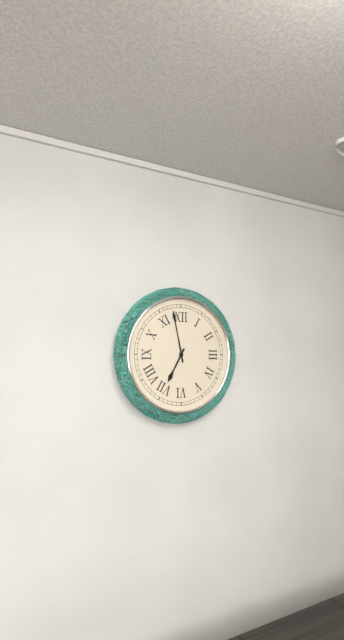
6h58
